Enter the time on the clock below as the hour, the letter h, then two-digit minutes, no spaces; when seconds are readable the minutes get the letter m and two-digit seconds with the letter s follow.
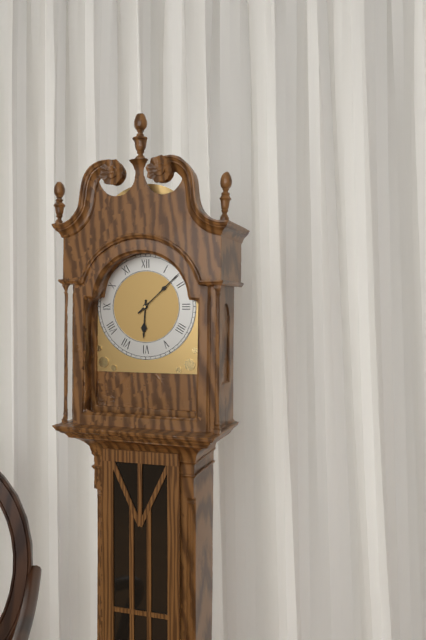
6h08
